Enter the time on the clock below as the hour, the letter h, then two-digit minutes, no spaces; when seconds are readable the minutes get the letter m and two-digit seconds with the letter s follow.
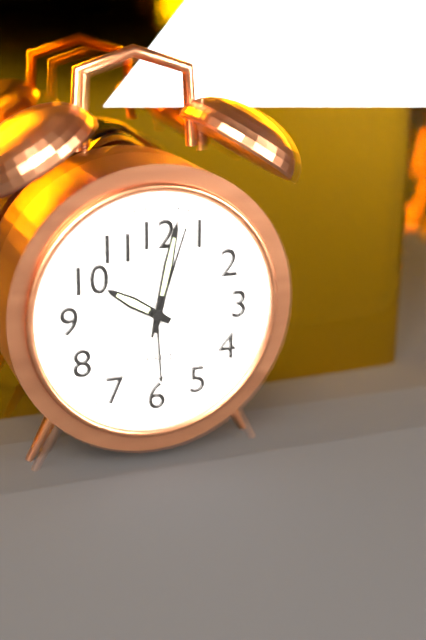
10h02m03s
